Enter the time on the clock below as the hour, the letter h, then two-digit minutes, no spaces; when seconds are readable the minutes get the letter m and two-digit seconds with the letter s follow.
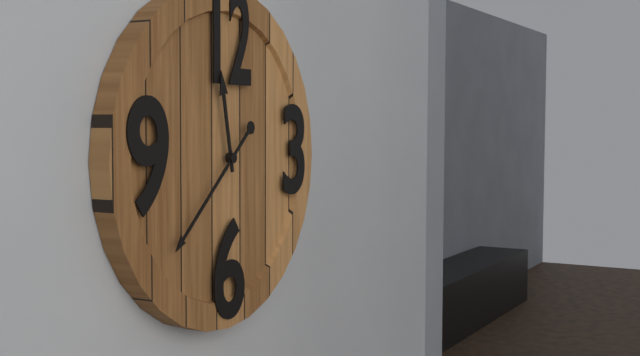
11h38
